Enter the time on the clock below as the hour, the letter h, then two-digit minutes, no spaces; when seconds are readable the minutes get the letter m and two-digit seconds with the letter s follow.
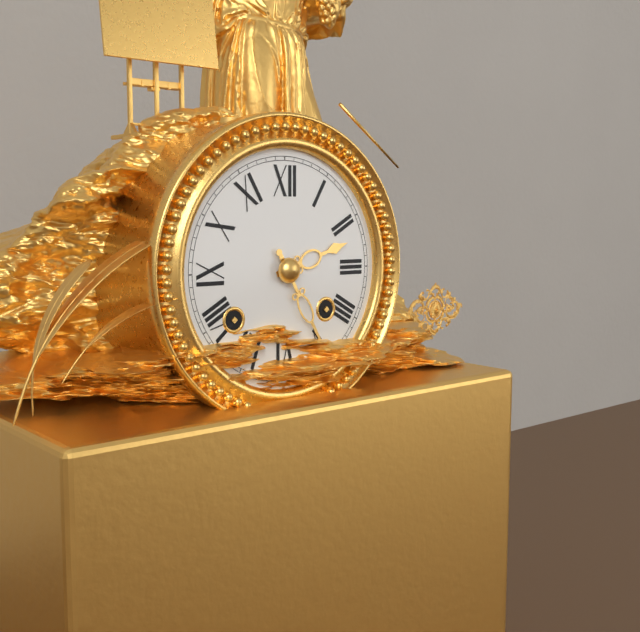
2h25
